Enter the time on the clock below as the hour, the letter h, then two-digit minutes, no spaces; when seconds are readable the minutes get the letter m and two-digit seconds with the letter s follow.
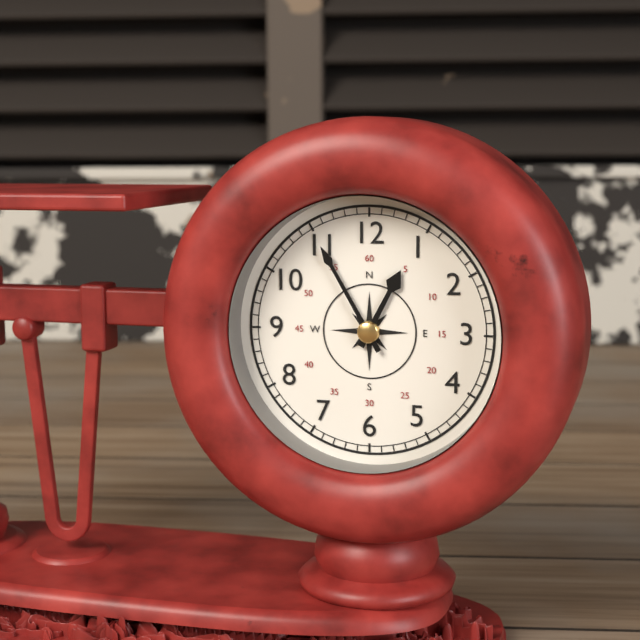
12h55
